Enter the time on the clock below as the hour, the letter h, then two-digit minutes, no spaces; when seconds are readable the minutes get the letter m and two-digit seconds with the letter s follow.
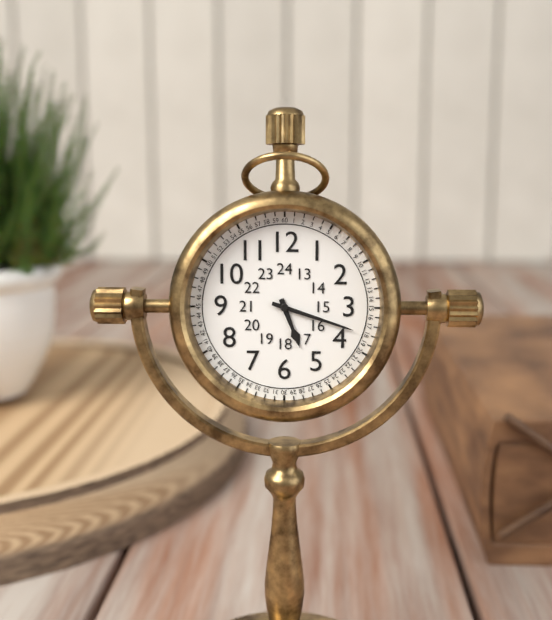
5h18
